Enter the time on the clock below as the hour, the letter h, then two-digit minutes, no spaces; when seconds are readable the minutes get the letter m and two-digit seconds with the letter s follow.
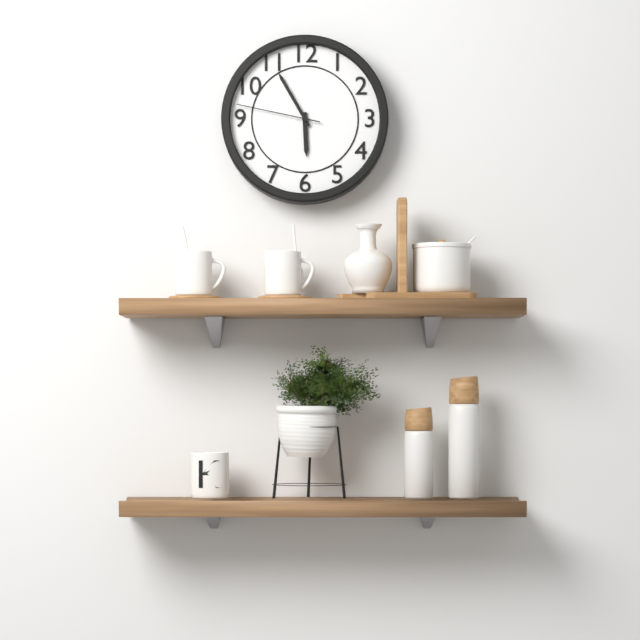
5h55m47s
